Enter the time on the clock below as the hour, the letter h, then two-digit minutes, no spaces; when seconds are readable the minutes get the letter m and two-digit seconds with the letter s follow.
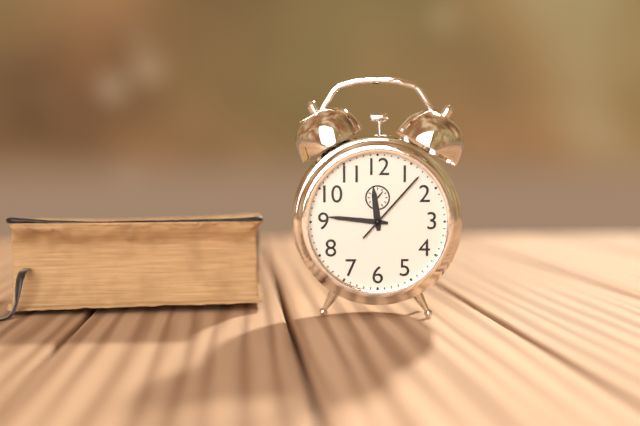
11h46m07s
